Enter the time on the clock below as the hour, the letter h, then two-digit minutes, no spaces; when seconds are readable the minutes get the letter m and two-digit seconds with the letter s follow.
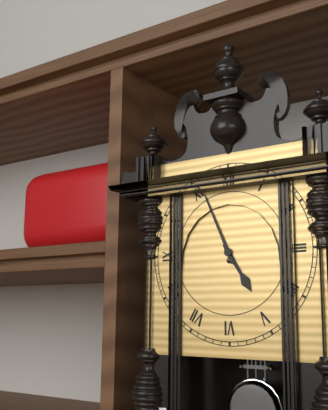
4h56
